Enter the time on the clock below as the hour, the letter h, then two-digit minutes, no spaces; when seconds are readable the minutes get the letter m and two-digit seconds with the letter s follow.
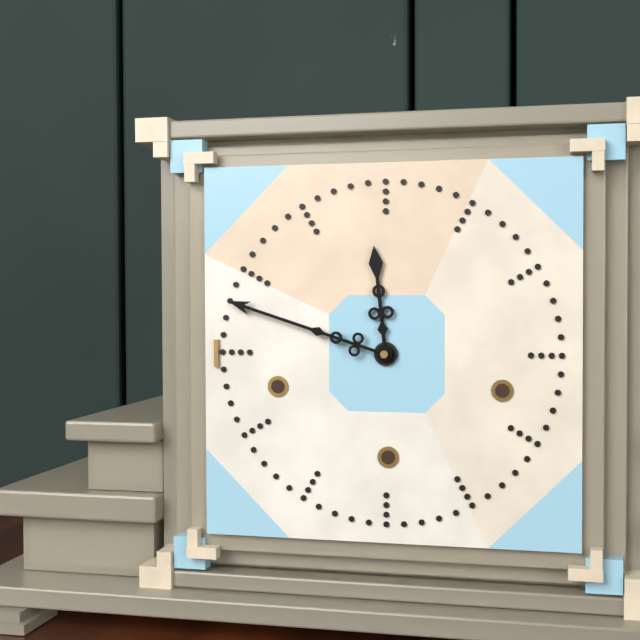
11h48
